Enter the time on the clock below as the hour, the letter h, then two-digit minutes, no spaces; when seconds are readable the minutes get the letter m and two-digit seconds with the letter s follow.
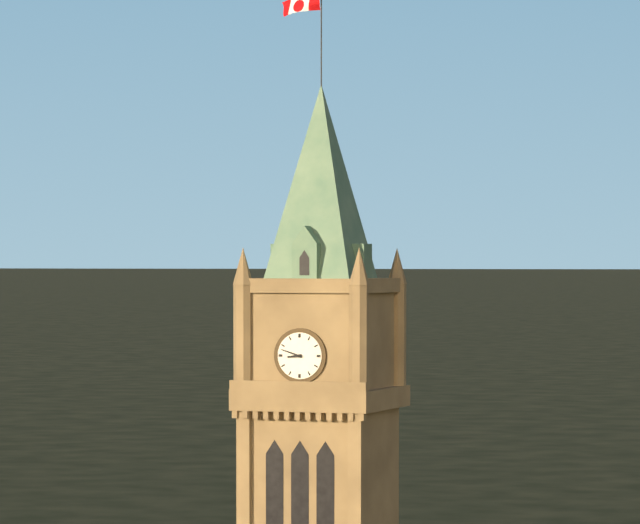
8h48
